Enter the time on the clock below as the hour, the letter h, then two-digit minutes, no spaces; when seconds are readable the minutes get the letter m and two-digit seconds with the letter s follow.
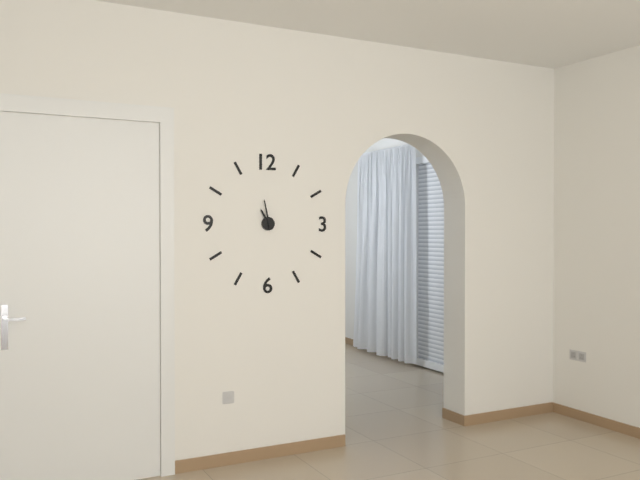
10h58
